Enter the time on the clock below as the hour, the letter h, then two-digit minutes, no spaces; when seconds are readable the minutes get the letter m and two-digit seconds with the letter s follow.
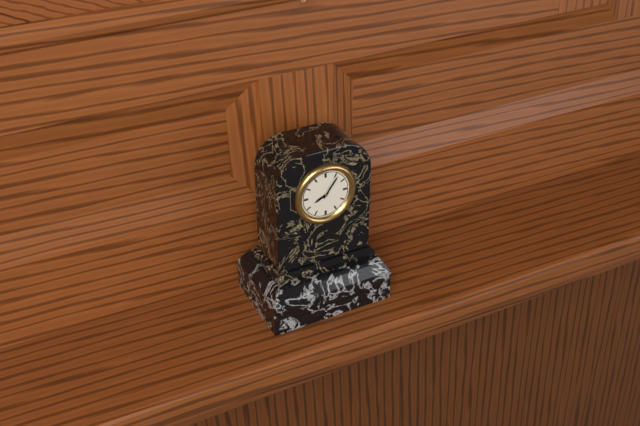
8h06
